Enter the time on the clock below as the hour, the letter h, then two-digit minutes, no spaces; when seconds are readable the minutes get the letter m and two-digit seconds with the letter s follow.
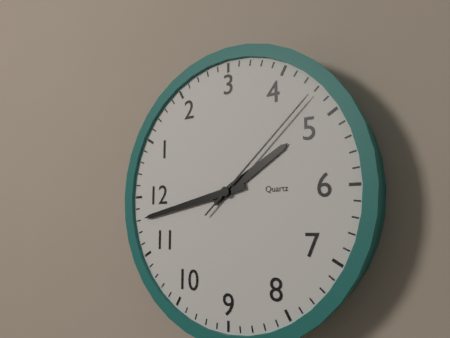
4h58m23s
